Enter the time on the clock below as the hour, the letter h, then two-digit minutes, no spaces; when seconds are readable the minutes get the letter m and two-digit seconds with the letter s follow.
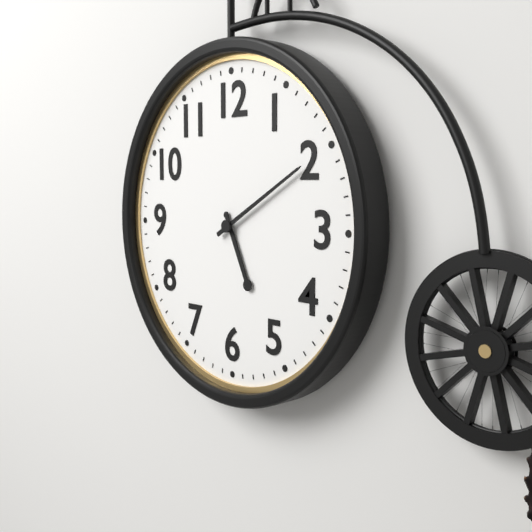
5h10
